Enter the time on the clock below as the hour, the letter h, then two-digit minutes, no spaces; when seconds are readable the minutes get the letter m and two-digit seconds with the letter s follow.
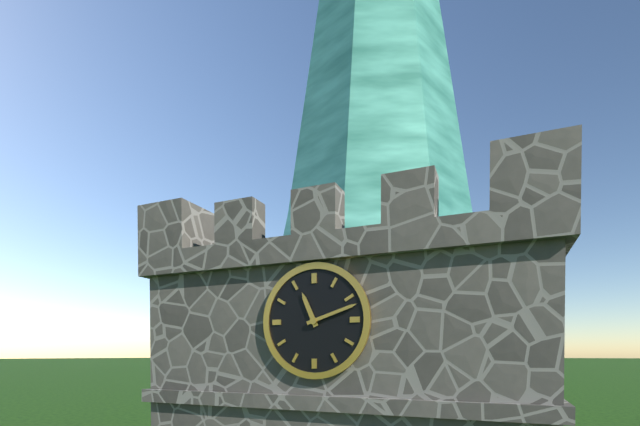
11h12
